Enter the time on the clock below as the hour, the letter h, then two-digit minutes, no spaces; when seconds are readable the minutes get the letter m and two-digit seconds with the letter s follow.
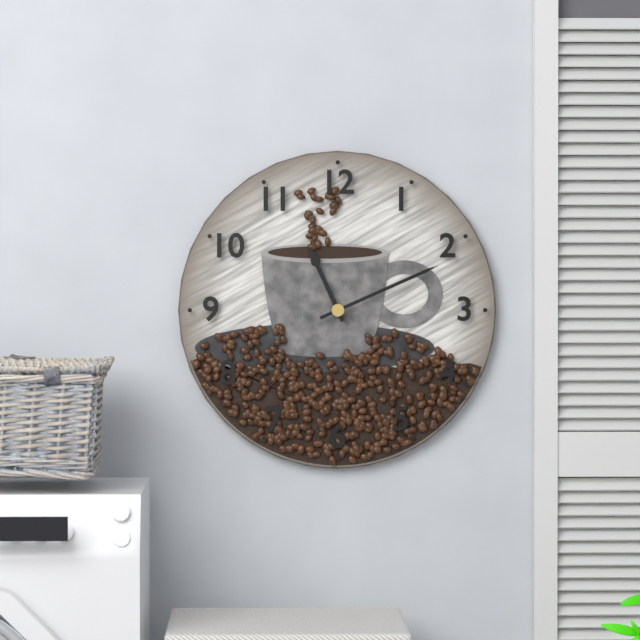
11h11
